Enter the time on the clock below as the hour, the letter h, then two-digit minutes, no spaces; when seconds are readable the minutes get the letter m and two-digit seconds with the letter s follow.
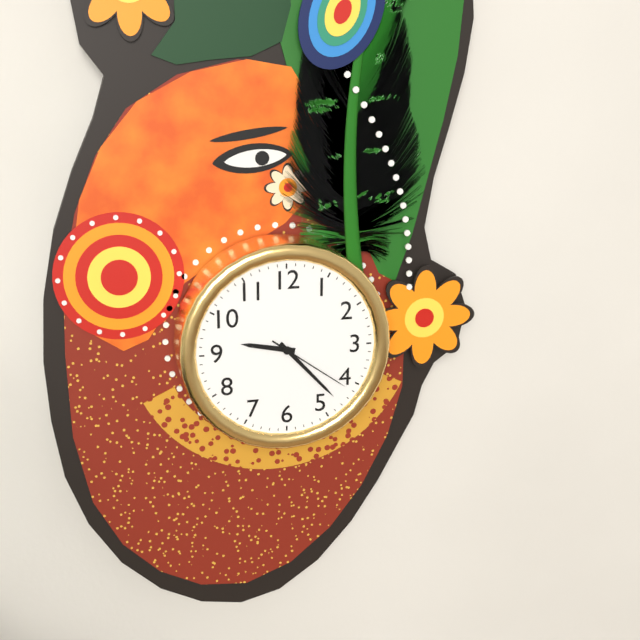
9h23m21s
